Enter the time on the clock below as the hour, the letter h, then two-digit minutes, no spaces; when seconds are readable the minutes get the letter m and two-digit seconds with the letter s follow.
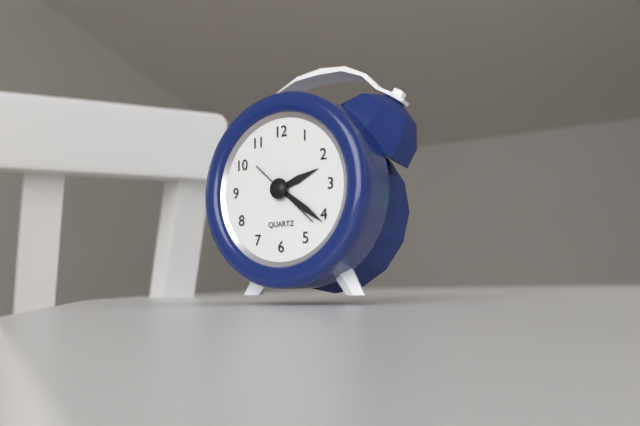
2h21m22s
